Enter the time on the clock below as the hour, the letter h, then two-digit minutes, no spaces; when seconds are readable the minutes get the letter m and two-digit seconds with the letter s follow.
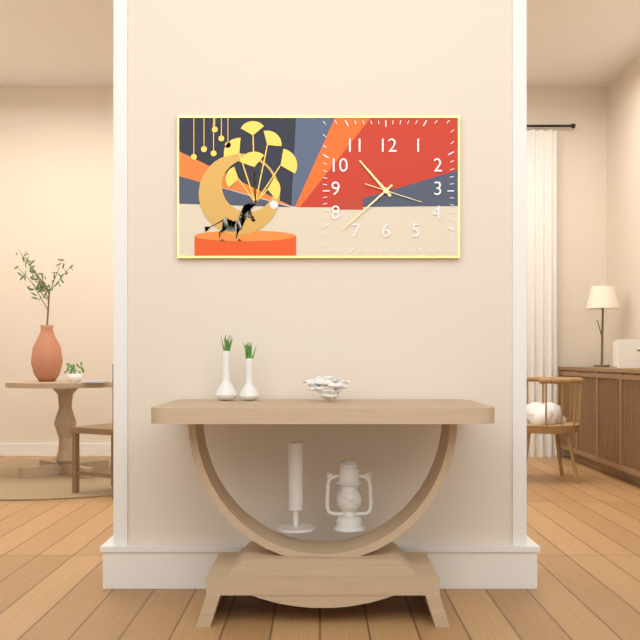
10h38
